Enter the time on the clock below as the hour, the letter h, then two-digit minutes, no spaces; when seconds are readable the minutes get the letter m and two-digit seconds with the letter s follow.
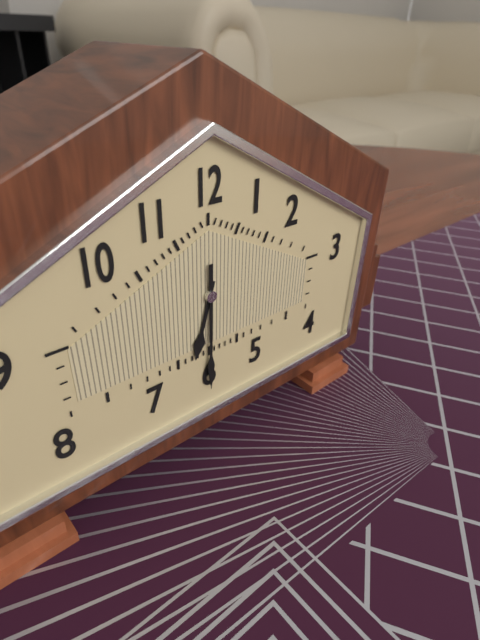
6h30
